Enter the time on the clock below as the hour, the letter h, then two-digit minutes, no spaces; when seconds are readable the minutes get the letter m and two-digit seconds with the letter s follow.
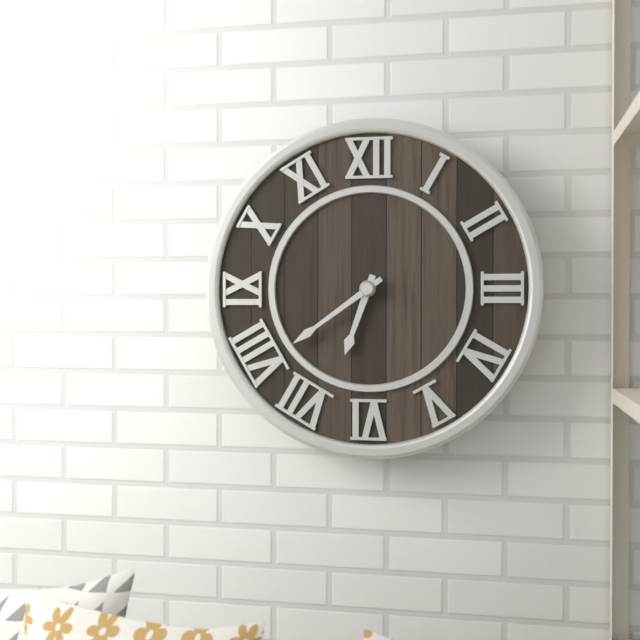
6h39
